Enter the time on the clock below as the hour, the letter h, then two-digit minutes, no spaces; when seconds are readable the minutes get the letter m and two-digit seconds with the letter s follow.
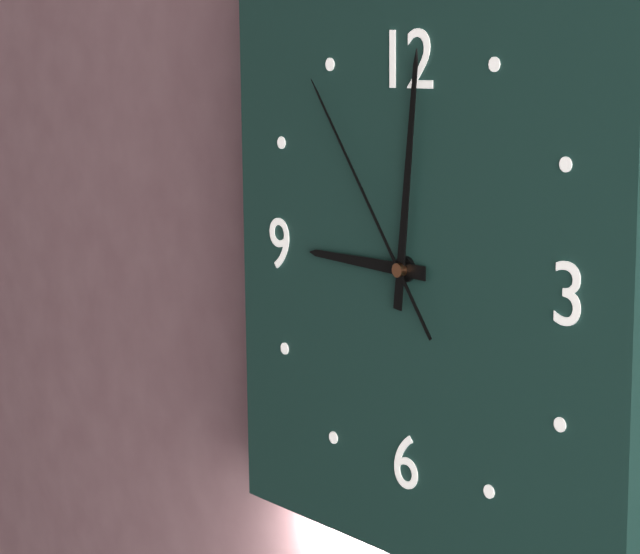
9h01m54s
